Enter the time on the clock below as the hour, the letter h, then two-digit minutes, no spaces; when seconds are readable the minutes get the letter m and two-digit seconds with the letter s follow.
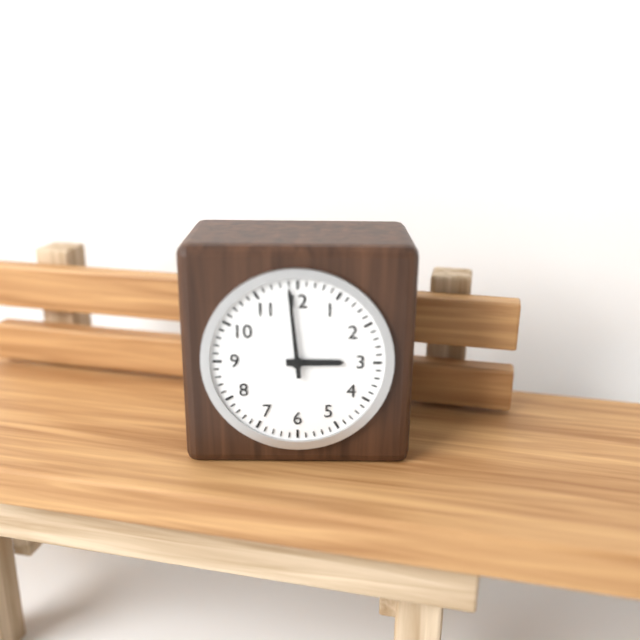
2h59
